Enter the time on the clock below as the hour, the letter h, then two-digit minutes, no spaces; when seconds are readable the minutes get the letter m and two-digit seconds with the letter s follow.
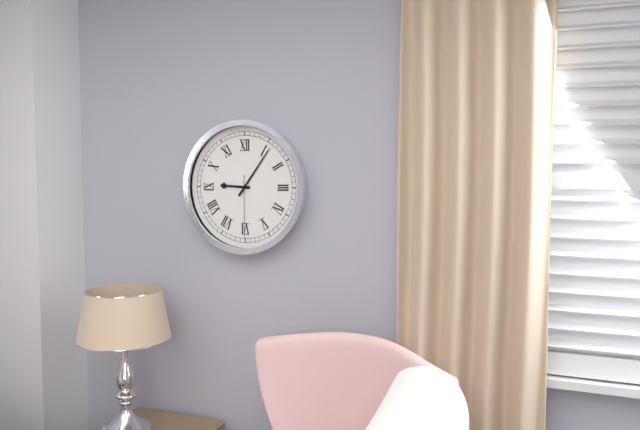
9h06m30s
